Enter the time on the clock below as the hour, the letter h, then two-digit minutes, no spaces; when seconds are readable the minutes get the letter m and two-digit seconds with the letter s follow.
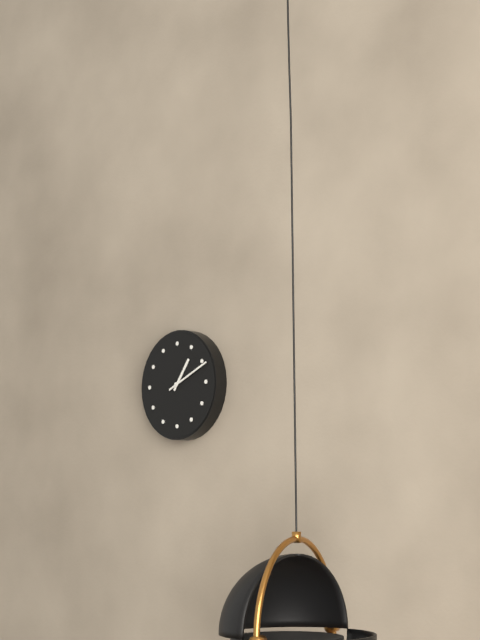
1h11
